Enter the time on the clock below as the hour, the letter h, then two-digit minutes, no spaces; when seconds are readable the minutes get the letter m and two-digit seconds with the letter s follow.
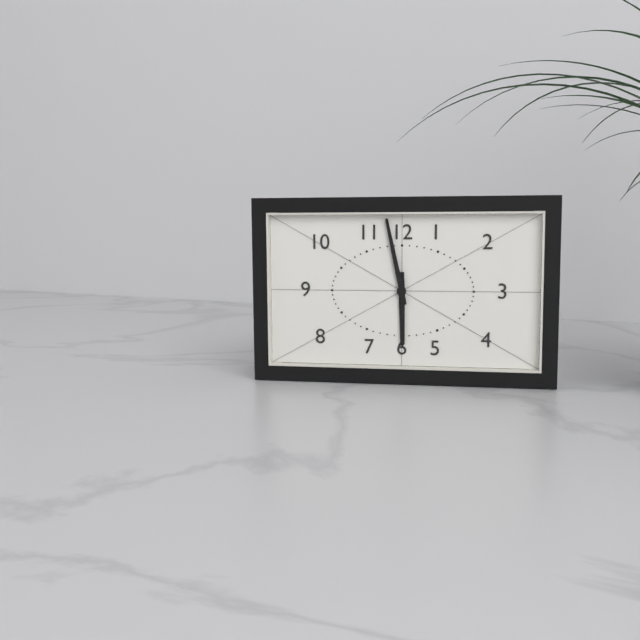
5h58
